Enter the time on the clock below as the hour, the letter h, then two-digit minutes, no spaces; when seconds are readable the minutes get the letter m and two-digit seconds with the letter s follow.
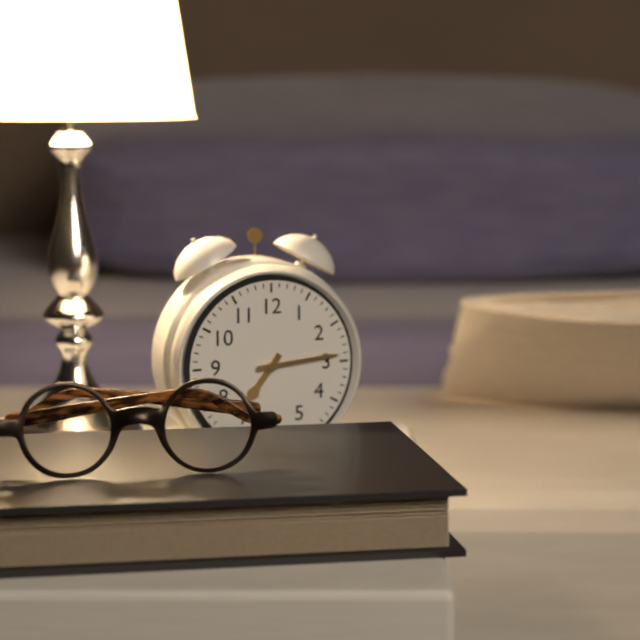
7h14
